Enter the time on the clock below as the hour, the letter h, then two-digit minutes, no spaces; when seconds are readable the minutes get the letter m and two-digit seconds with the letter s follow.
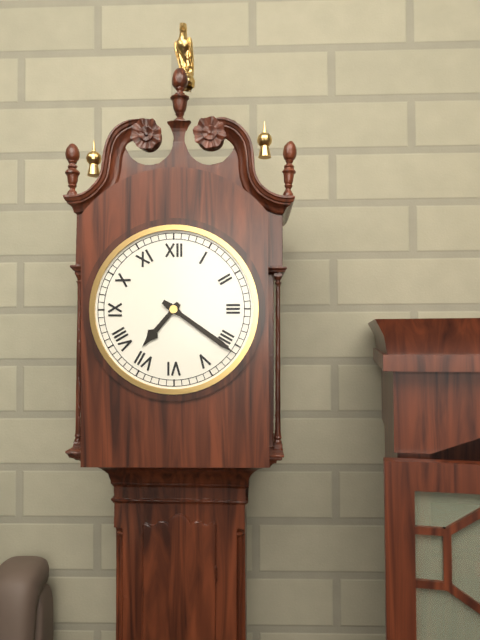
7h21
